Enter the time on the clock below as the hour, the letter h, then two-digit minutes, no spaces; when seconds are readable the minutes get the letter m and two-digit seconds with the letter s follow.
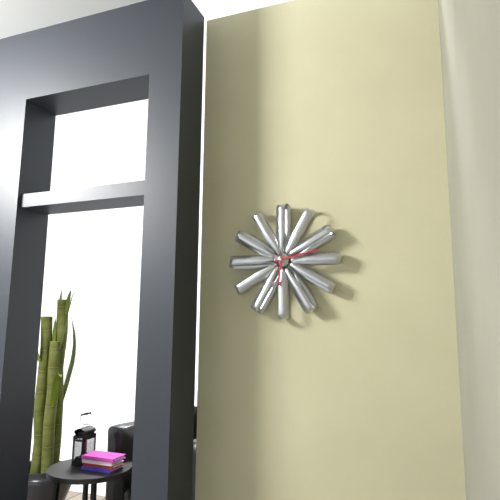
6h13
